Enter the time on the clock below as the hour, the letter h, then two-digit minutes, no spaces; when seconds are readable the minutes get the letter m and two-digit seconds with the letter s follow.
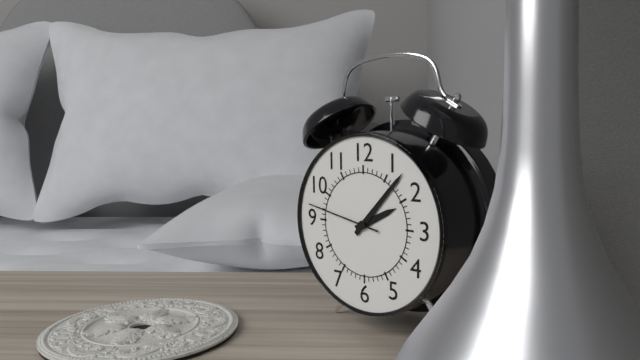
2h07m47s
